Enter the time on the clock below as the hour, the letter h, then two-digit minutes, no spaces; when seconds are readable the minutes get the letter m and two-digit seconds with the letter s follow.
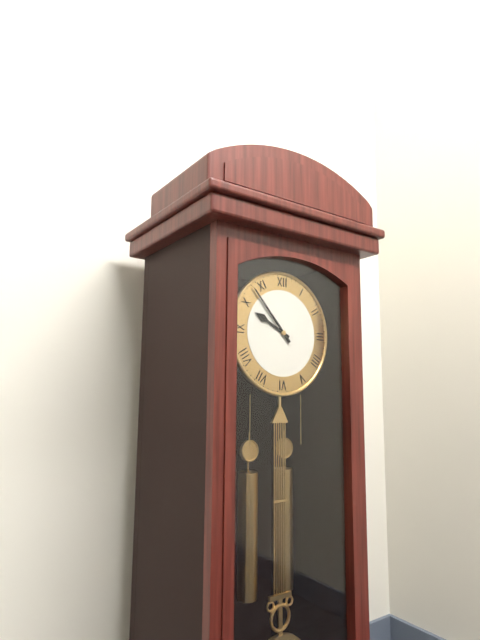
9h53
